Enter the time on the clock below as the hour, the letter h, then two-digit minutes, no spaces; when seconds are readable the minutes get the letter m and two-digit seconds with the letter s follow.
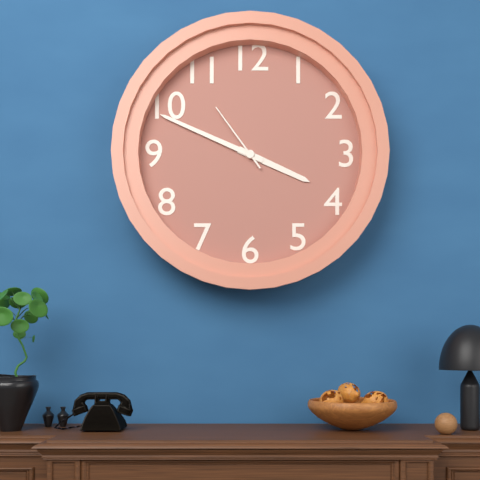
3h49m54s
